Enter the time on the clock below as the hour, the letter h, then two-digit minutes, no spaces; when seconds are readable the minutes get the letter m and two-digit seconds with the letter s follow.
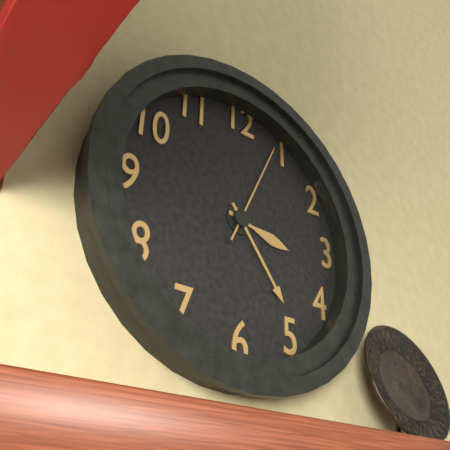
3h24m04s
